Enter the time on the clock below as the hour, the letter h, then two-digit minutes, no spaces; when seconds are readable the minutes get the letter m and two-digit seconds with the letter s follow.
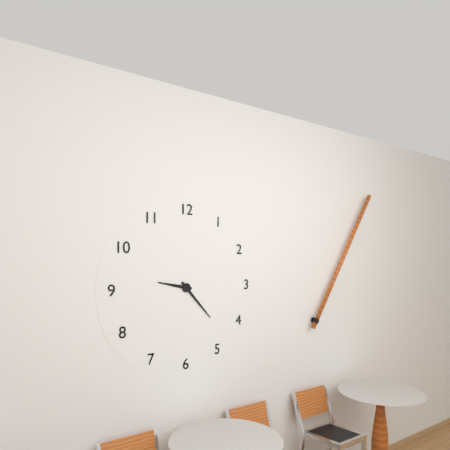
9h23
